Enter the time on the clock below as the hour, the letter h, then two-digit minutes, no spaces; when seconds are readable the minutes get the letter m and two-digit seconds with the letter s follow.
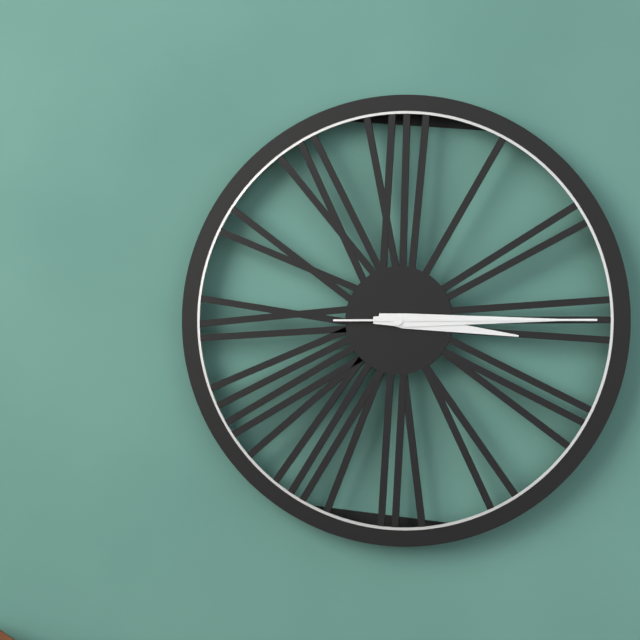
3h15m15s
